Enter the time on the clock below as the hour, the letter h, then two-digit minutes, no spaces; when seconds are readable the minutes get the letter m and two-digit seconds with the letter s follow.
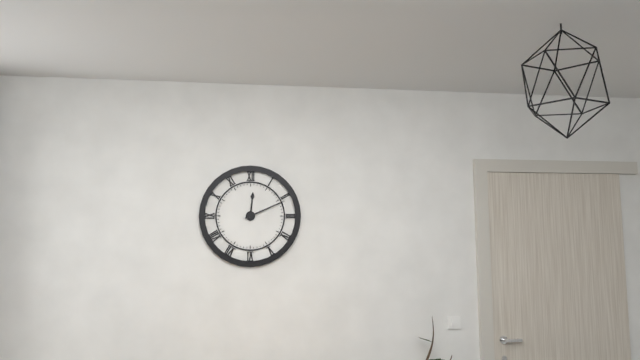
12h11
